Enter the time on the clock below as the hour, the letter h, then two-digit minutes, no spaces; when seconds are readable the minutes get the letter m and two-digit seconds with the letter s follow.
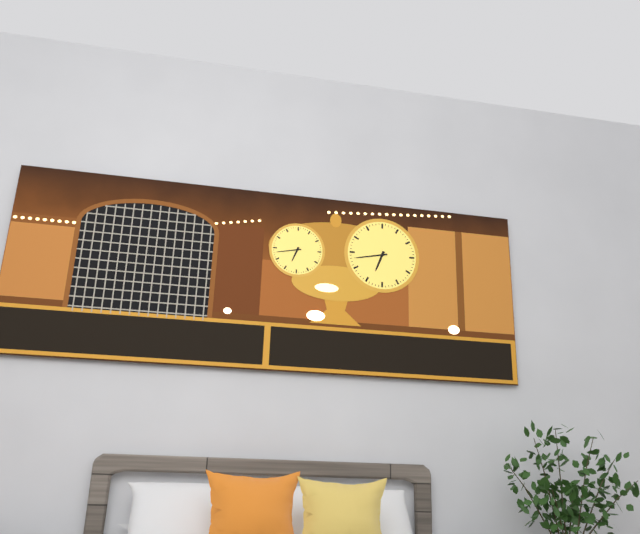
6h43
